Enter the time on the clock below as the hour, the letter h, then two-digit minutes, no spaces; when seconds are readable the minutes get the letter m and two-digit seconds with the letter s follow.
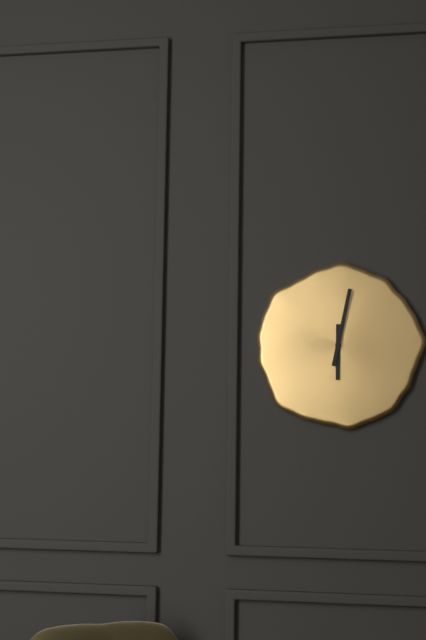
6h02
